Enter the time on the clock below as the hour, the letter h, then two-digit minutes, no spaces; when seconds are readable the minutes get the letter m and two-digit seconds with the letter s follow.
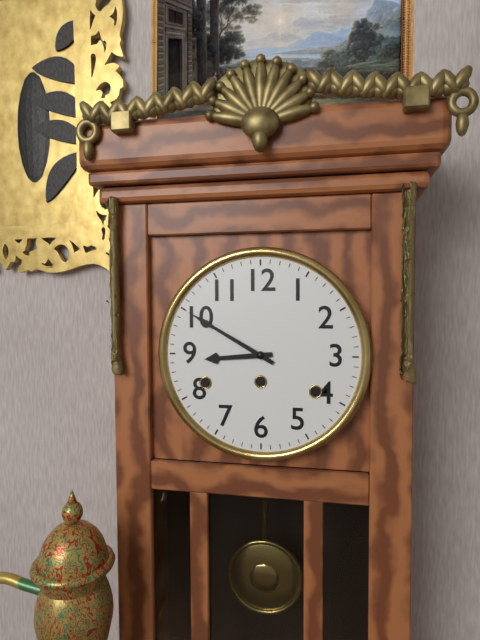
8h50
